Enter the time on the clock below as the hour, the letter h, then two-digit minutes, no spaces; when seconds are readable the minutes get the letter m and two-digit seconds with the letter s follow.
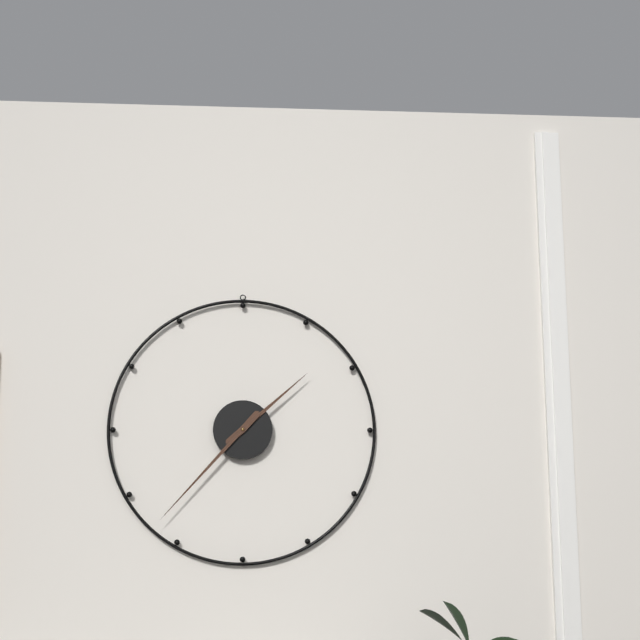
1h37
